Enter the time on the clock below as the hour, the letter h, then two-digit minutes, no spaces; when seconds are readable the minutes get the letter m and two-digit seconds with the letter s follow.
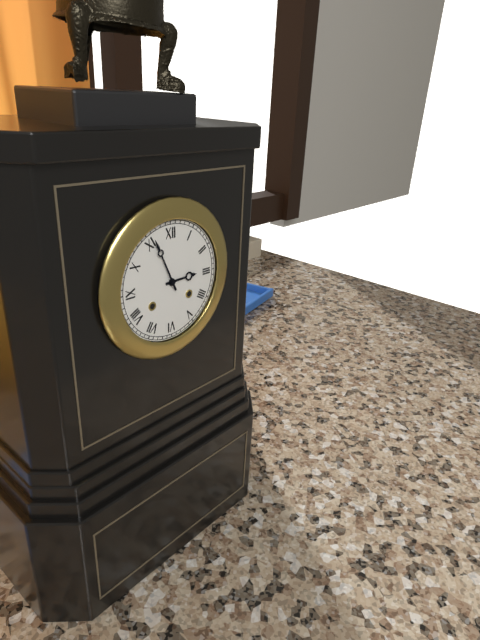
2h56
